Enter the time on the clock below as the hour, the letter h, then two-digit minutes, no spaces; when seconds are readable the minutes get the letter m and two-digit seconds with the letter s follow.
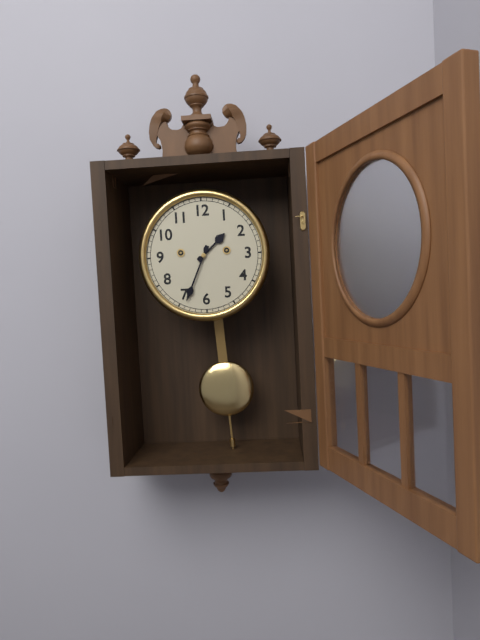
1h34
